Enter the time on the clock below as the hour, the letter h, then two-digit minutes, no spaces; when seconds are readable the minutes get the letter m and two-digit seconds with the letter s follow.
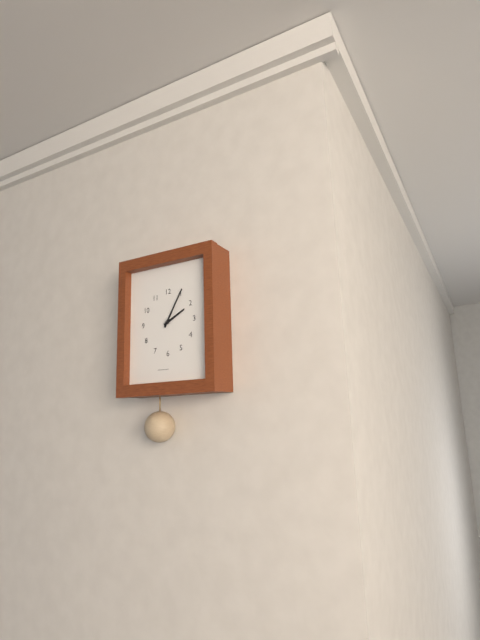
2h05
